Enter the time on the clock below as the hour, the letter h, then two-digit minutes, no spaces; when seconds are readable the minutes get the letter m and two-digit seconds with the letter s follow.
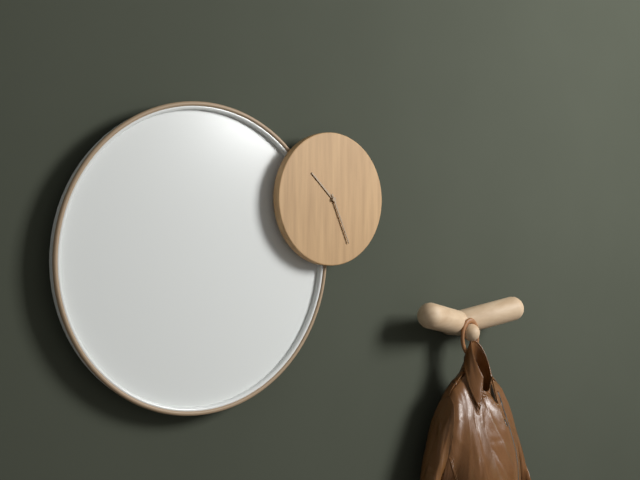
10h26
